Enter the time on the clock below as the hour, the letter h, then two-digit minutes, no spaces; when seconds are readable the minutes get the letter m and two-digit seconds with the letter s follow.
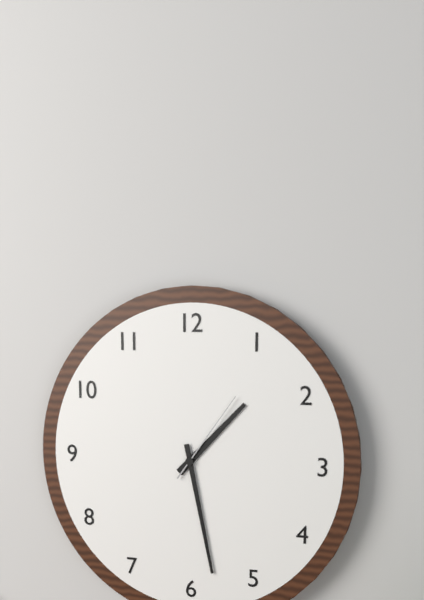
1h28m06s
